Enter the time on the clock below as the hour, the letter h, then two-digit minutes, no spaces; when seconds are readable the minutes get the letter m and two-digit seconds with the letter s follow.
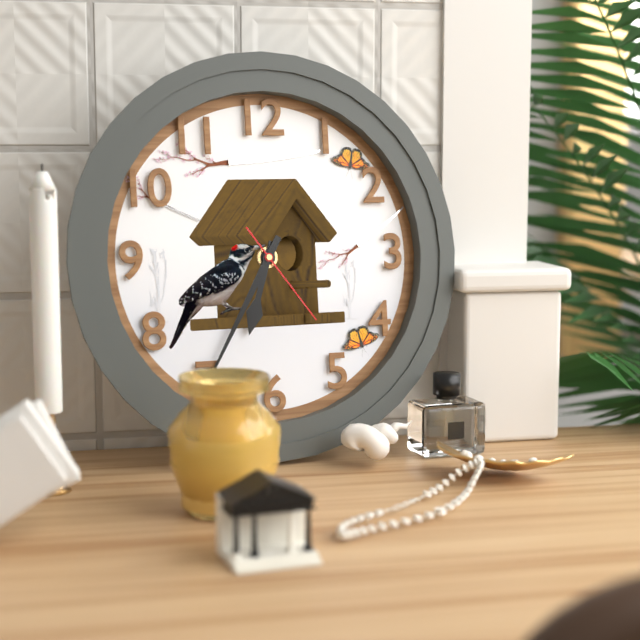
6h35m24s
